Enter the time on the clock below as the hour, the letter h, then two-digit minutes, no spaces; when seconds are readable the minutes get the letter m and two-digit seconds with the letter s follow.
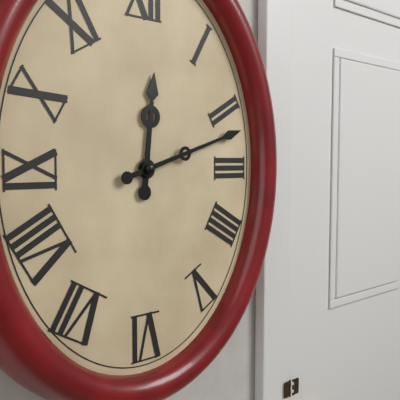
12h12
